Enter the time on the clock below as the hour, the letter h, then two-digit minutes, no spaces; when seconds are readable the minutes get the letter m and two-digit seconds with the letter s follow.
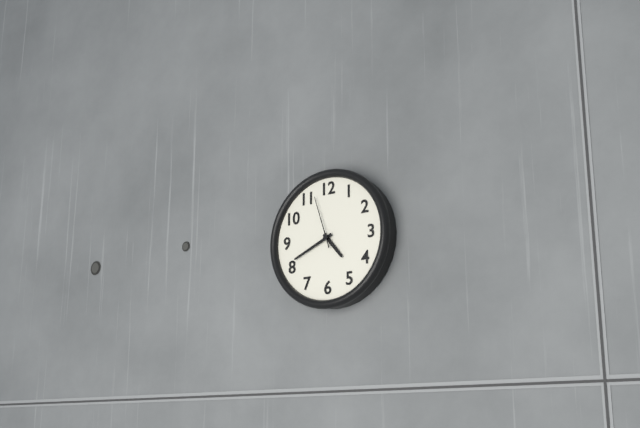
4h41m57s
